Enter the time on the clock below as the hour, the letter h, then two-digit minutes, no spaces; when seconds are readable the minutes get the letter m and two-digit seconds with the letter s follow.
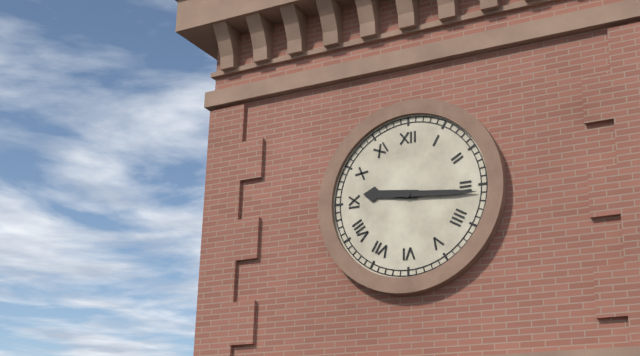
9h16
